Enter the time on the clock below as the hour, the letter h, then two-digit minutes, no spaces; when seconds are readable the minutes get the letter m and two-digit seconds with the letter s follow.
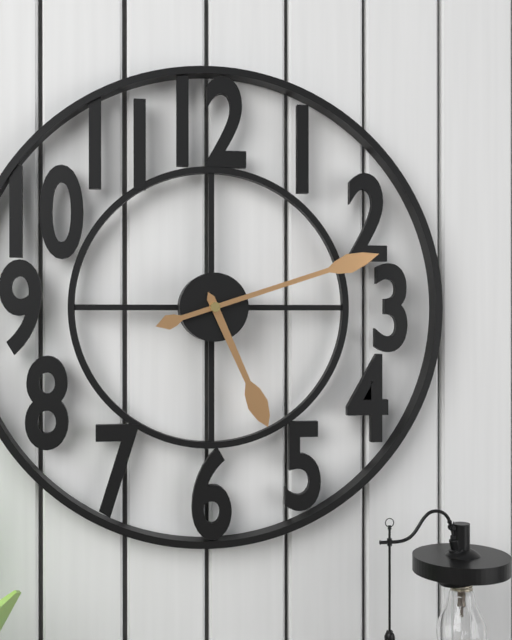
5h12
